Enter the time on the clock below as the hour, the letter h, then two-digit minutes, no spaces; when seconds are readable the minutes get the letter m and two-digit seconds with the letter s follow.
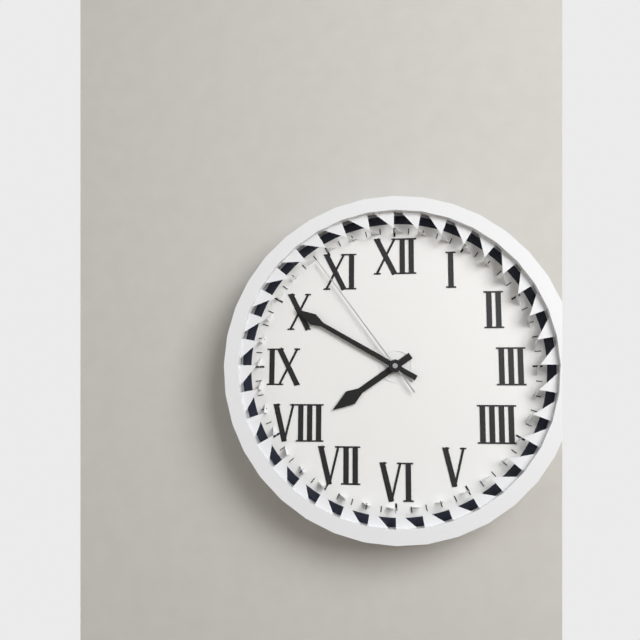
7h50m54s
